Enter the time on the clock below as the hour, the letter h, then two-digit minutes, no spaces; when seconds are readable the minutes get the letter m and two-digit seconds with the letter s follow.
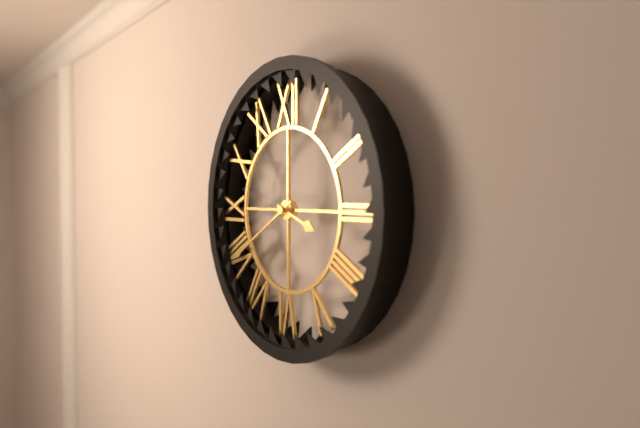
3h40
